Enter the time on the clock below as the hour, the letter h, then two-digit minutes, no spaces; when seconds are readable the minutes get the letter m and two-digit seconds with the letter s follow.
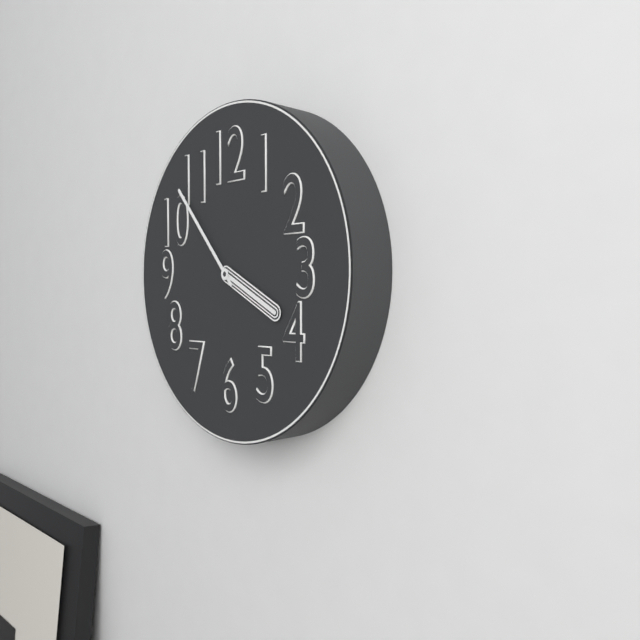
3h53
